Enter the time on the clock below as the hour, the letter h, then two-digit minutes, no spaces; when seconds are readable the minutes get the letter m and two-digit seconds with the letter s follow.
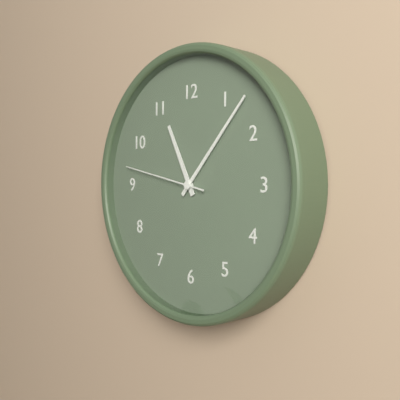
11h07m47s
